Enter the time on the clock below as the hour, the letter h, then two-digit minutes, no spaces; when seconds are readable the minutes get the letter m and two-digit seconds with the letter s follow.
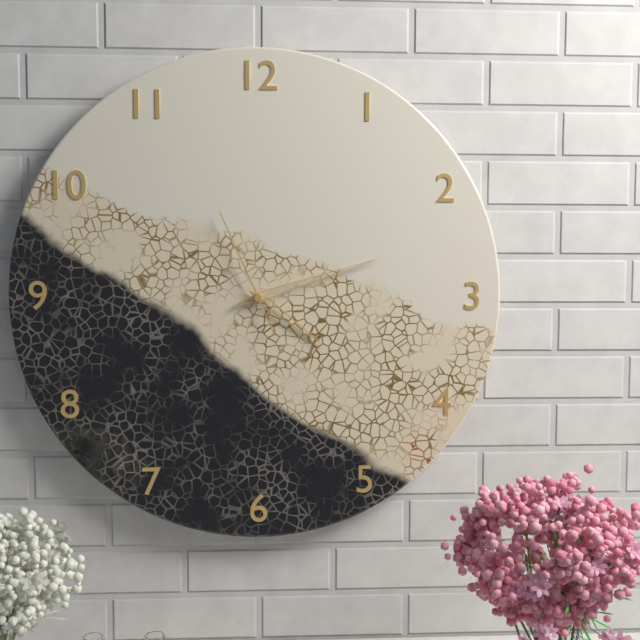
4h12m56s
